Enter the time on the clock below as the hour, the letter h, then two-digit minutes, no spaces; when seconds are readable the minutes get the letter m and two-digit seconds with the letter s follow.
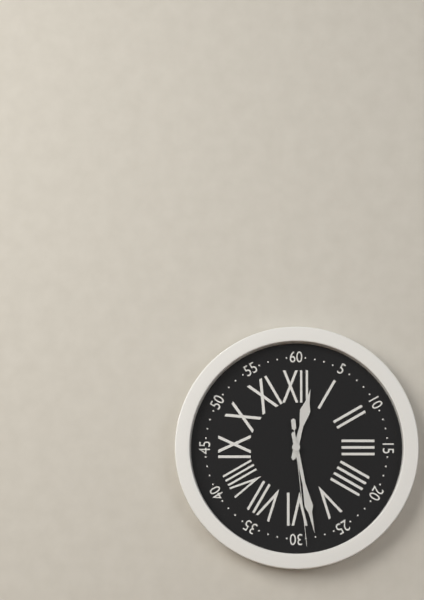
12h28m29s
